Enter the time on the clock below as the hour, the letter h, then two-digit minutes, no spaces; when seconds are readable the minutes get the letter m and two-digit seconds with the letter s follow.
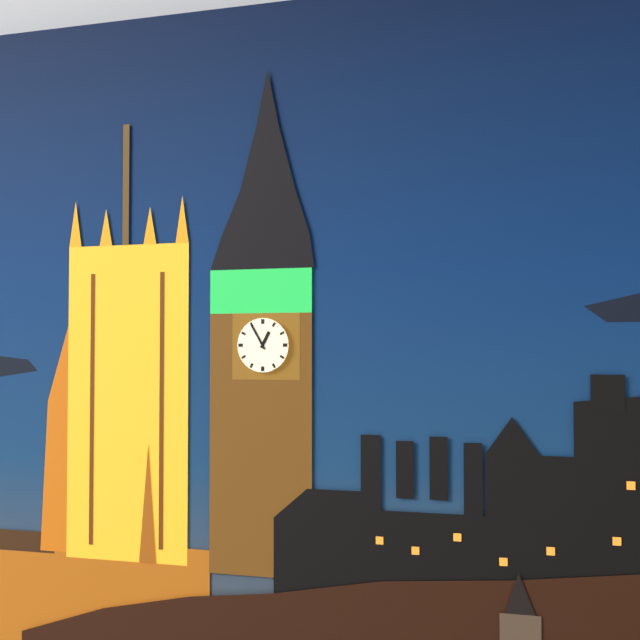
12h55
